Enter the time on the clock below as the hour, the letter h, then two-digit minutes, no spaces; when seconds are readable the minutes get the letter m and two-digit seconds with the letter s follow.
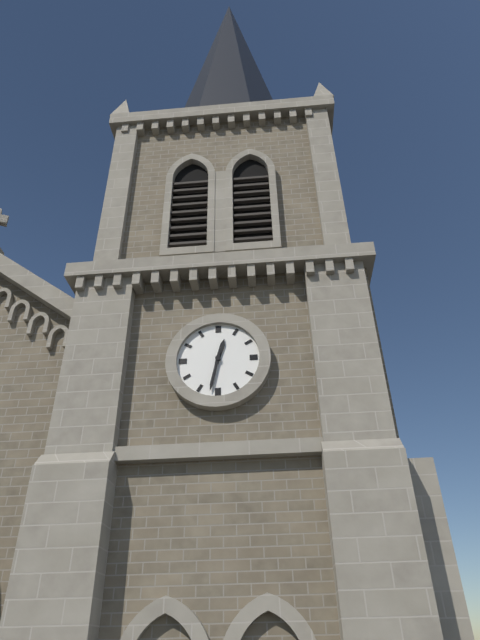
12h32
